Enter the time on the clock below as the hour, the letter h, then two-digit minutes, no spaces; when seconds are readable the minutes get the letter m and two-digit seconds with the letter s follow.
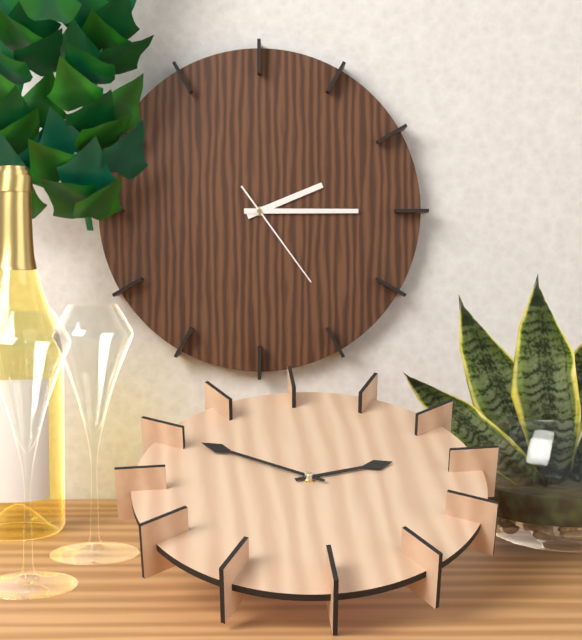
2h15m24s
